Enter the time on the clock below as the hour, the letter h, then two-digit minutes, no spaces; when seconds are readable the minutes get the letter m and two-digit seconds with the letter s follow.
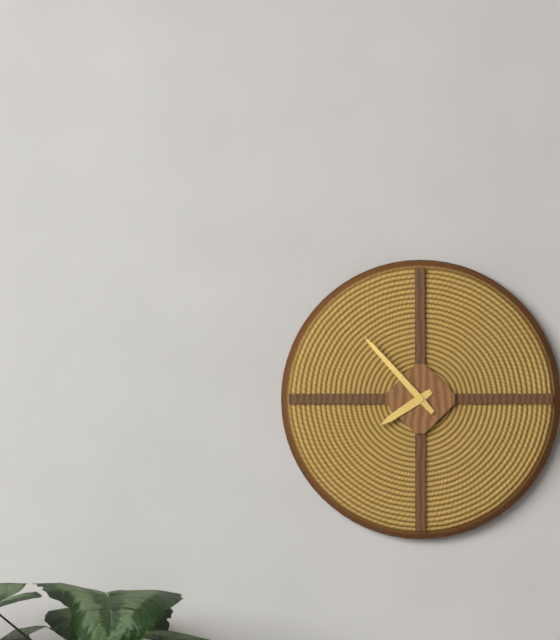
7h53
